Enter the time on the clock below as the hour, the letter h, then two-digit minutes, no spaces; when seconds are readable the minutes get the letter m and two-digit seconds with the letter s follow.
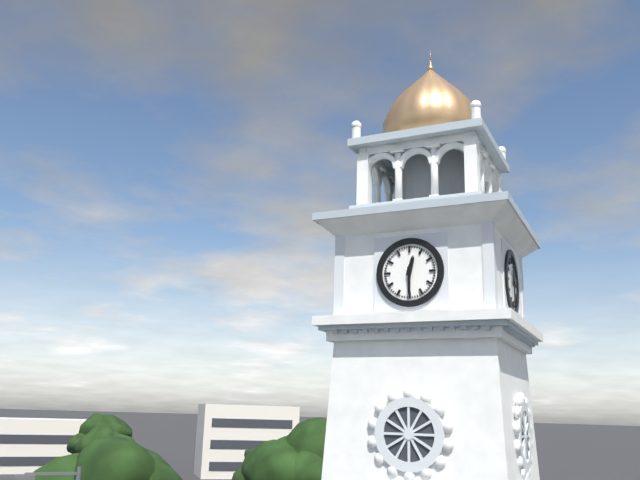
12h30
